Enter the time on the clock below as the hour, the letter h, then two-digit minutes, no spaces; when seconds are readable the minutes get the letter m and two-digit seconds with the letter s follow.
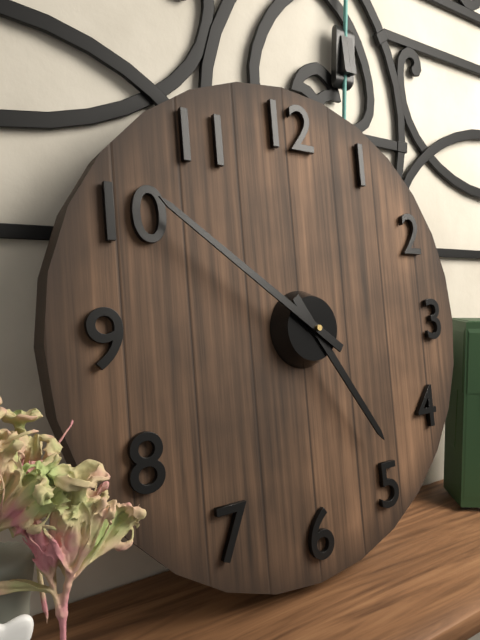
4h51
